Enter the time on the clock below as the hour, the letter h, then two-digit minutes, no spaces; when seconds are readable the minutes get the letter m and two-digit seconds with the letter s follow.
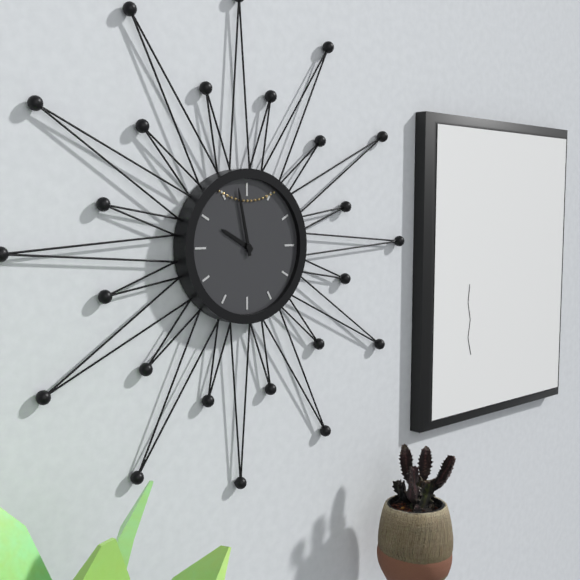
9h58
